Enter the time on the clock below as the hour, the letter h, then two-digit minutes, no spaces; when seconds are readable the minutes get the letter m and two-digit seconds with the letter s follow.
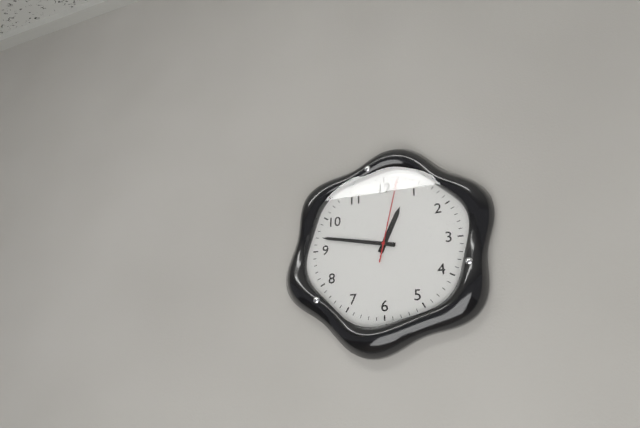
12h47m02s
